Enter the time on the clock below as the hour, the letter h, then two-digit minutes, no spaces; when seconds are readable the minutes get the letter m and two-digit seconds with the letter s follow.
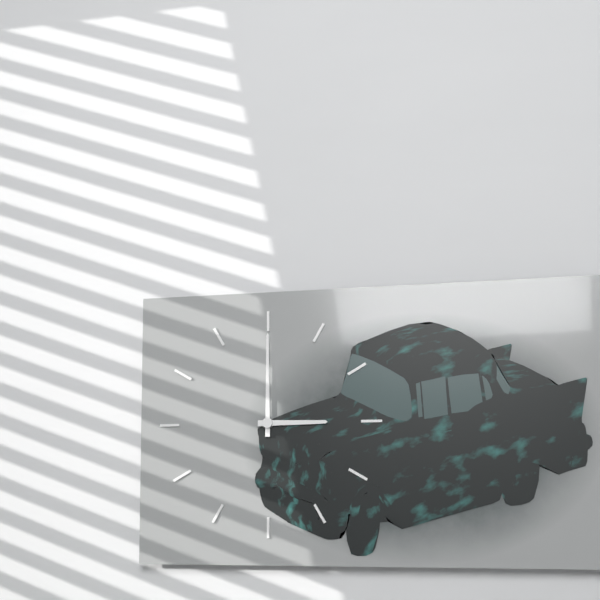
3h00
